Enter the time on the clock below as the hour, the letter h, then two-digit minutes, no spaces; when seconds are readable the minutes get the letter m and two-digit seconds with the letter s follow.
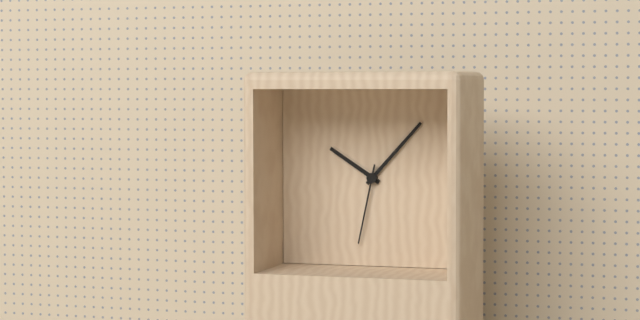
10h07m32s
